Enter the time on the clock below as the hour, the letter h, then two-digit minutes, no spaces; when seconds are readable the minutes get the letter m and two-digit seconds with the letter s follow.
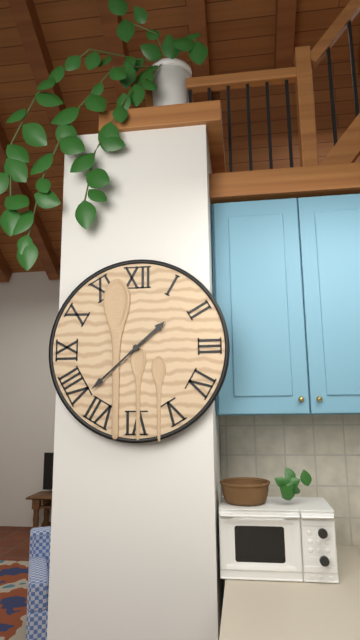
1h38
